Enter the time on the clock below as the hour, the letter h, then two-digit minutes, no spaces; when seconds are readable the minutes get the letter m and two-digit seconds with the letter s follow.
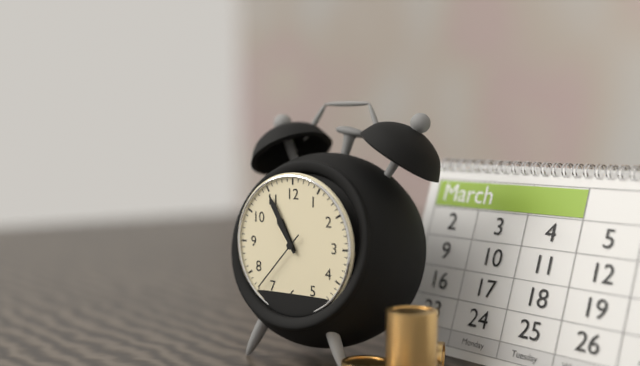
10h55m37s
